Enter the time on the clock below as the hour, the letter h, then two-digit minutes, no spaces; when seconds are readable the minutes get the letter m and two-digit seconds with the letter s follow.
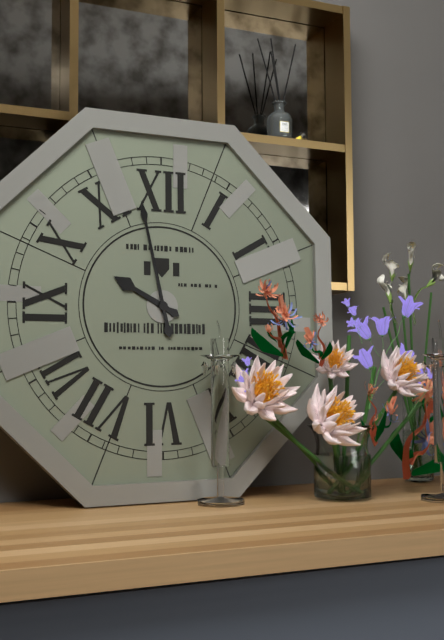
9h58
